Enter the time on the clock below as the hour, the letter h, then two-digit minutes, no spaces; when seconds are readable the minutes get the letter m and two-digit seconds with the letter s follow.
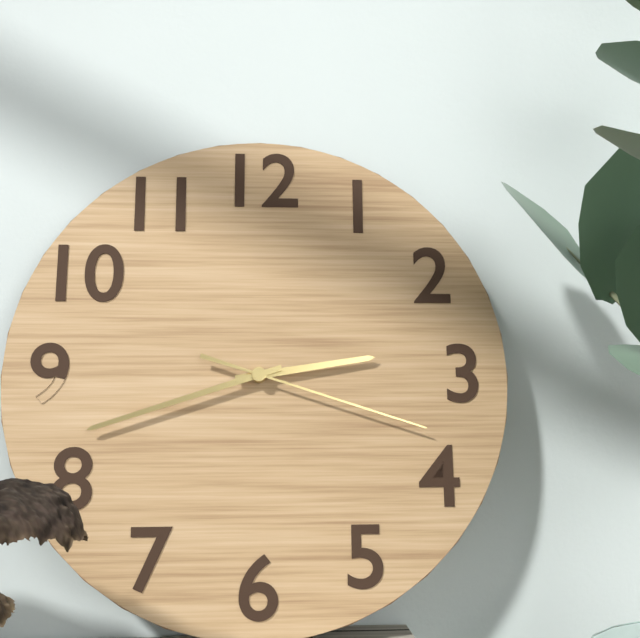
2h42m18s
